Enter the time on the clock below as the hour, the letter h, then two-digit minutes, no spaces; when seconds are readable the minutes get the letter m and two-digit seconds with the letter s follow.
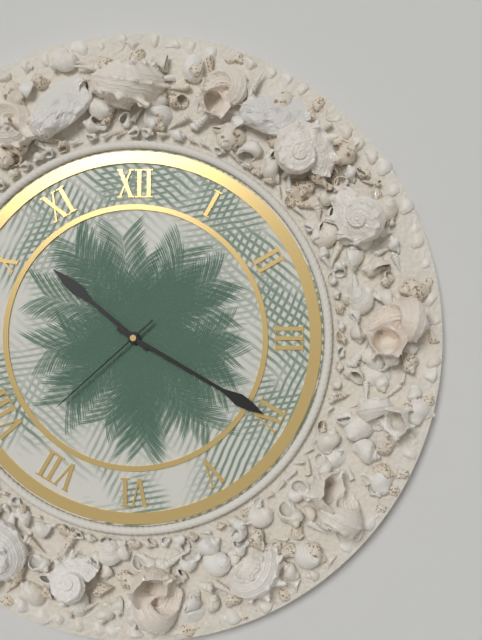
10h20m38s
